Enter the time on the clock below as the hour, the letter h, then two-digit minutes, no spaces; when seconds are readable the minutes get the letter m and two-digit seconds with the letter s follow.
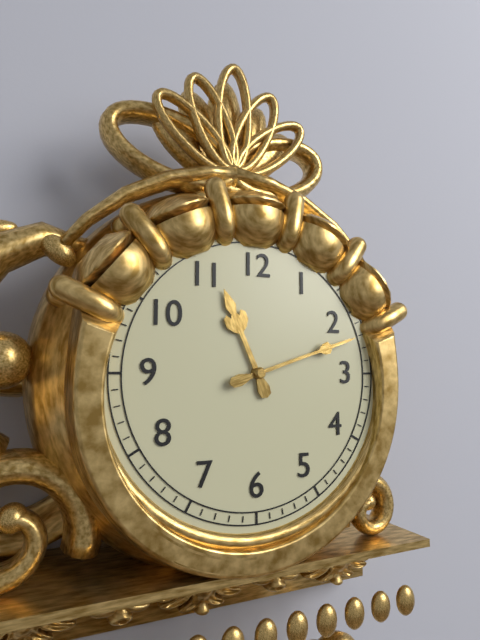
11h12
